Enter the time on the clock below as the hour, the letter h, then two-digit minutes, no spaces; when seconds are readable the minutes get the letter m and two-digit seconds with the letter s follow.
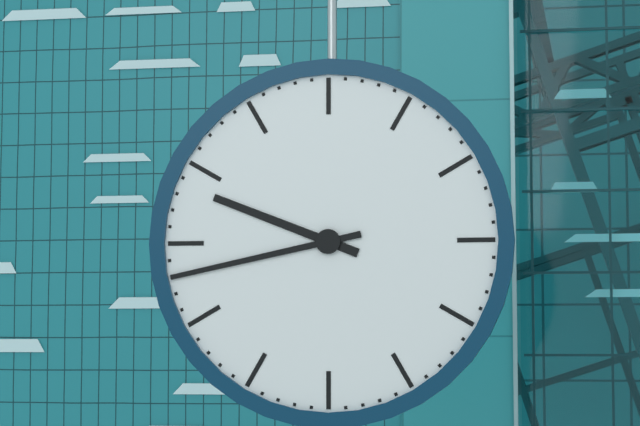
9h43
